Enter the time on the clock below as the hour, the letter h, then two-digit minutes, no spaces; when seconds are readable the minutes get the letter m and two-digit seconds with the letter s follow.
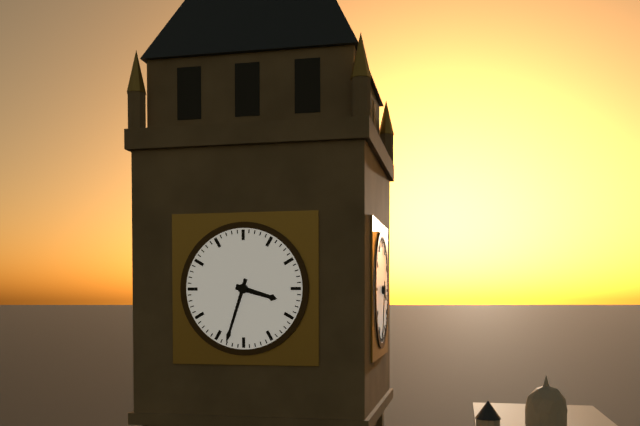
3h33
